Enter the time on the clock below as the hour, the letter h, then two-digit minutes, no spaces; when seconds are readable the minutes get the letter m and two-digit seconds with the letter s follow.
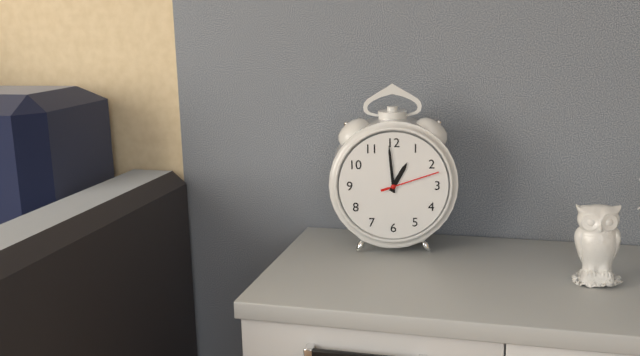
12h59m12s
